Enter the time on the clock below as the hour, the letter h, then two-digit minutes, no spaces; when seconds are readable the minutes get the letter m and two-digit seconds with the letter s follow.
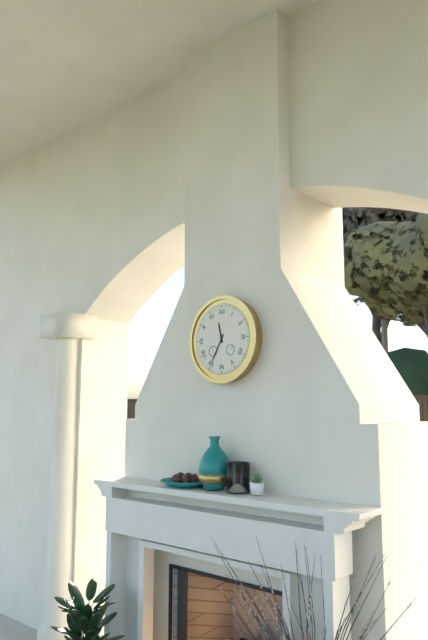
11h35
